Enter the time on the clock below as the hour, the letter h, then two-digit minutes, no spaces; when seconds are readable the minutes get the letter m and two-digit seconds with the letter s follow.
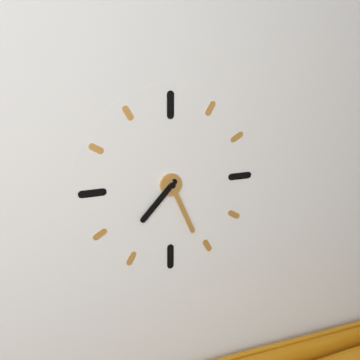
7h26
